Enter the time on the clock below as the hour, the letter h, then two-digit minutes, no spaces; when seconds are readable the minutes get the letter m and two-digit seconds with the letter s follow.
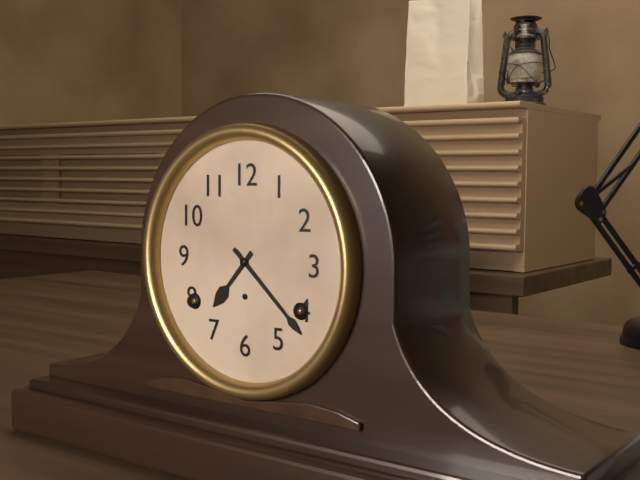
7h22
